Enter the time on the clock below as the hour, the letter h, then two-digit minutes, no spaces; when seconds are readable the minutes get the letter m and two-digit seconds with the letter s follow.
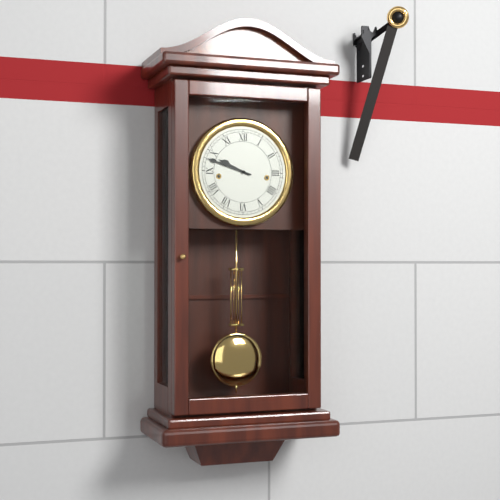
9h48
